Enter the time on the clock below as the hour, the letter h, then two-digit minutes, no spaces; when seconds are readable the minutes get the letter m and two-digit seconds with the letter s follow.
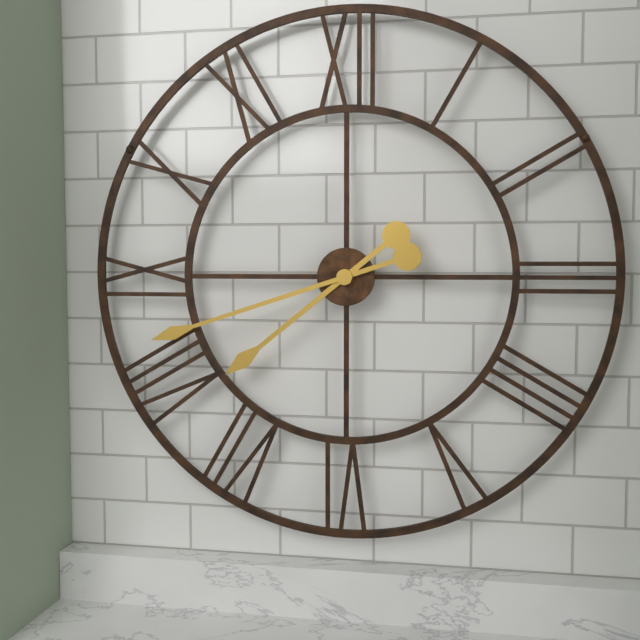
7h42
